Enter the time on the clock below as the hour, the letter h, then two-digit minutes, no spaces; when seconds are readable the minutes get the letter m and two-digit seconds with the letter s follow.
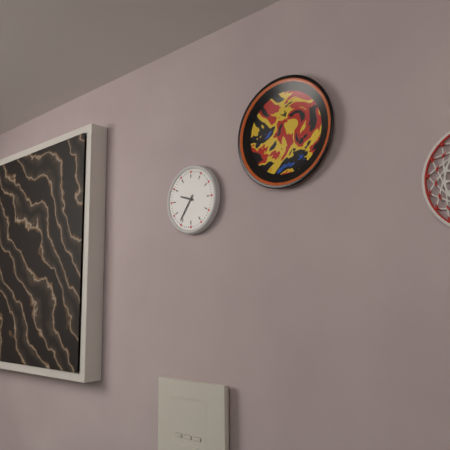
9h36
